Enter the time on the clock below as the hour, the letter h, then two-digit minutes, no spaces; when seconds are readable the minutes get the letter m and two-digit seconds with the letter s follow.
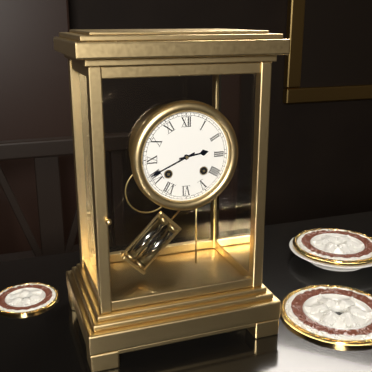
2h41
